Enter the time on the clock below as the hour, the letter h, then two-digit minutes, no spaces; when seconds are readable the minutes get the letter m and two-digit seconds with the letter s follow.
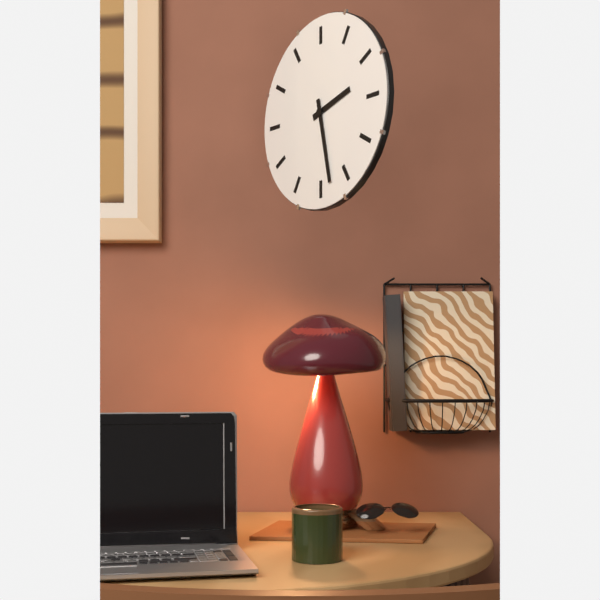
2h28
